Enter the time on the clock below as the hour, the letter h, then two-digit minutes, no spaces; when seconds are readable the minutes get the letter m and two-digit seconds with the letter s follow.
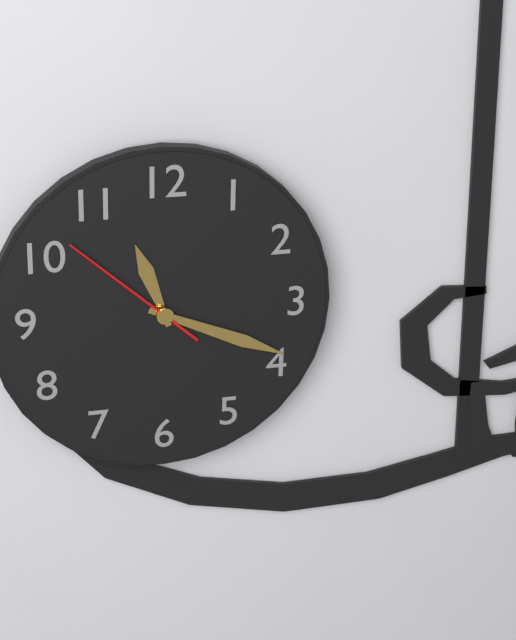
11h19m52s
